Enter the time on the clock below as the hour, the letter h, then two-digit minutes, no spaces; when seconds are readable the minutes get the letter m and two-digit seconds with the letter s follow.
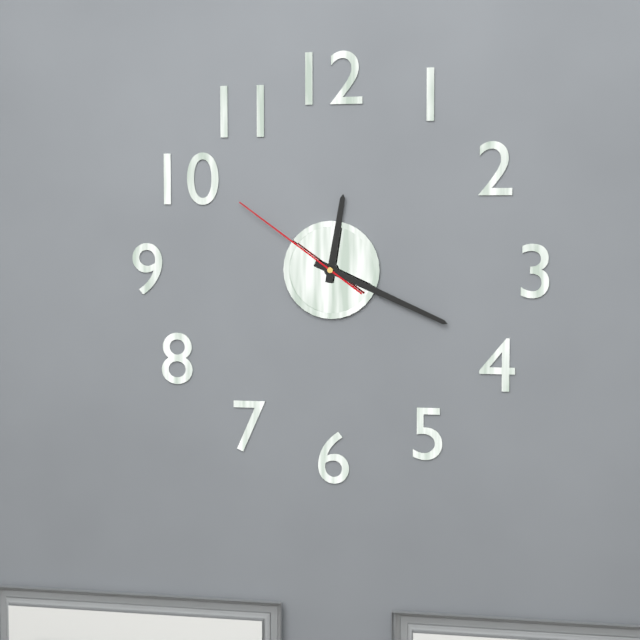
12h19m51s
